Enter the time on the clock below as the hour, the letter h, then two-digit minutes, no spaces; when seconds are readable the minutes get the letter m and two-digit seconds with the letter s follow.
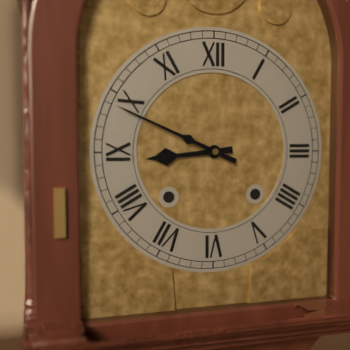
8h49
